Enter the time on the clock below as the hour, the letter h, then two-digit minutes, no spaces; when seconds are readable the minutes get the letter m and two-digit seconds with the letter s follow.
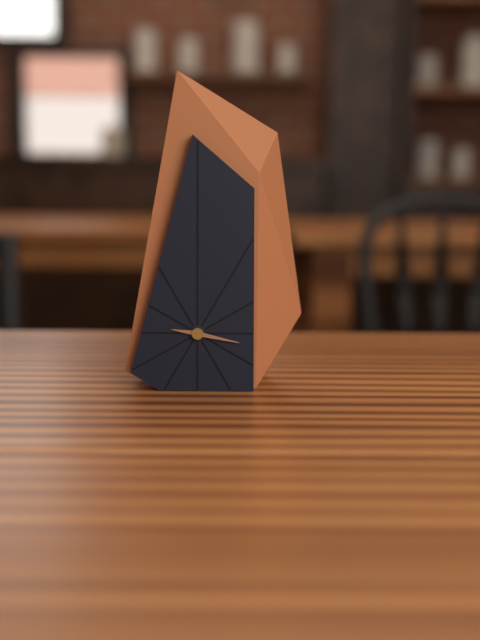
9h17
